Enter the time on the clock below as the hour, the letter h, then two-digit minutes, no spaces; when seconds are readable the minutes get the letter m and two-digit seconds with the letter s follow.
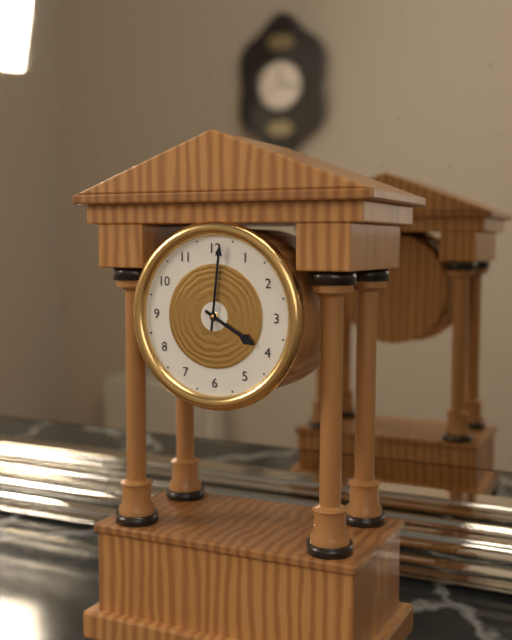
4h01
